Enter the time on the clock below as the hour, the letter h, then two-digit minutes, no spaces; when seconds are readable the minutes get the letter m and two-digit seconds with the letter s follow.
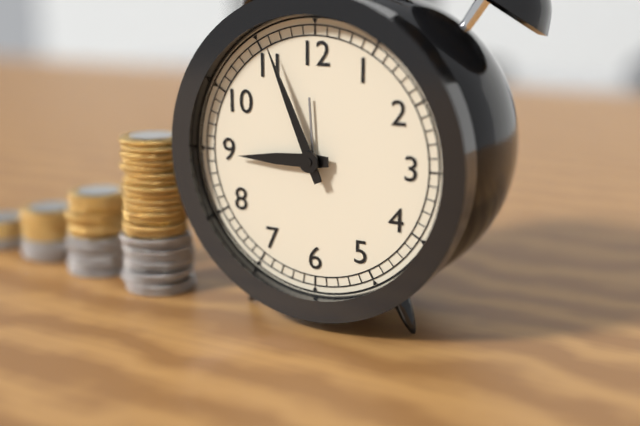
8h56
